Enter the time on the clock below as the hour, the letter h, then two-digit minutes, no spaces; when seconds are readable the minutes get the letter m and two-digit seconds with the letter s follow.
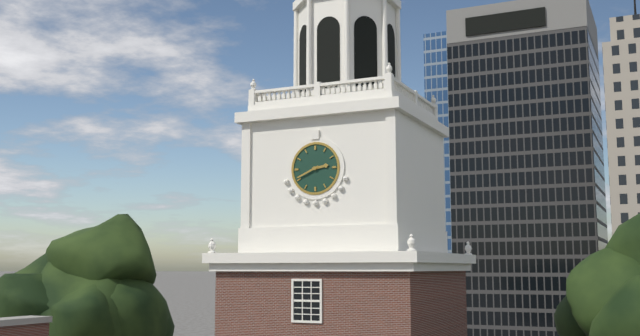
2h41
